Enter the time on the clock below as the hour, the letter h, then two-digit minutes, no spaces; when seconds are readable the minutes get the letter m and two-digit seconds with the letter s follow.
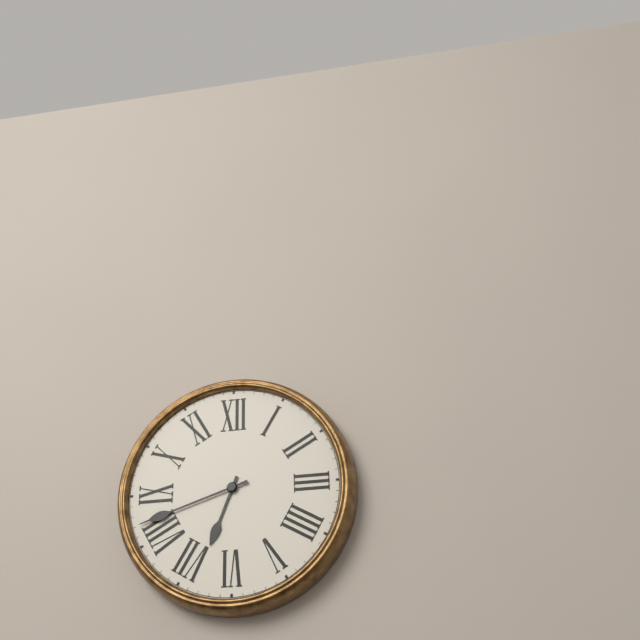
6h42
